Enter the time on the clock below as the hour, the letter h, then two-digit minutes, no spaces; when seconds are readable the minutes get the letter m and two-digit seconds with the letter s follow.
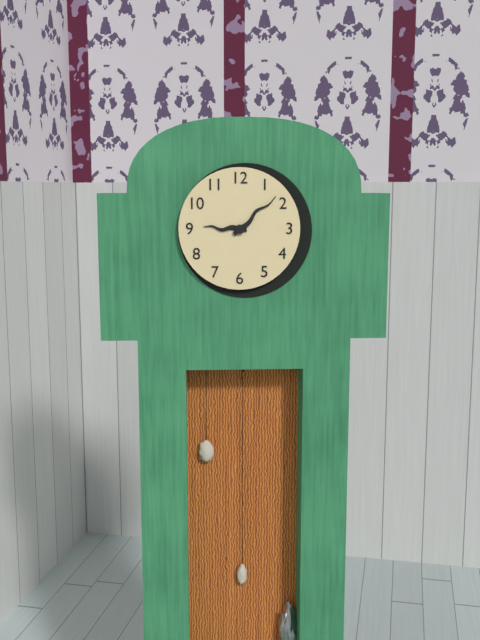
9h08
